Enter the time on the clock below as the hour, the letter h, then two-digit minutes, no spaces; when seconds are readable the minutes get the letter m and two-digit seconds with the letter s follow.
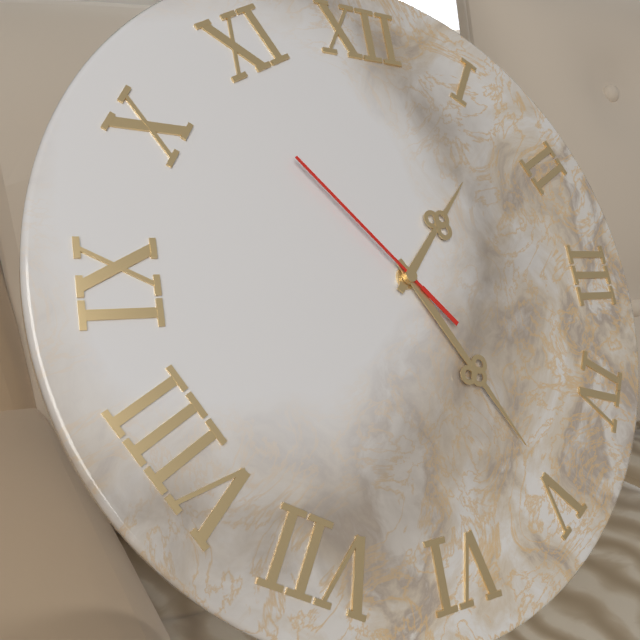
1h25m53s
